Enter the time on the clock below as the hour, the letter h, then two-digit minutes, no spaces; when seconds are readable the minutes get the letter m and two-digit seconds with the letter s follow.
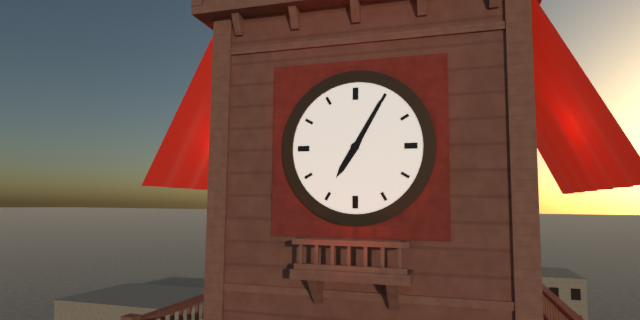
7h05
